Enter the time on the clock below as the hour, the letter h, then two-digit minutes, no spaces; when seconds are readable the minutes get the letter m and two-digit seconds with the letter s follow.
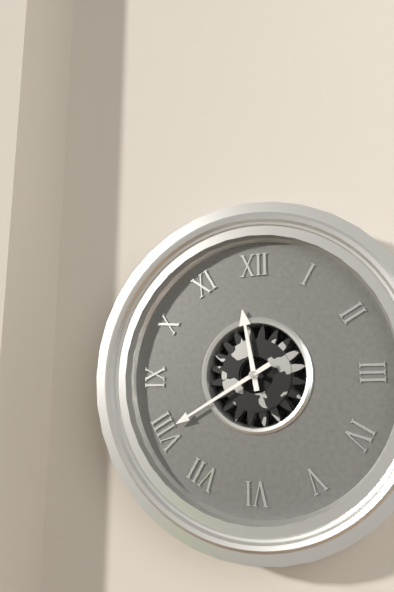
11h40
